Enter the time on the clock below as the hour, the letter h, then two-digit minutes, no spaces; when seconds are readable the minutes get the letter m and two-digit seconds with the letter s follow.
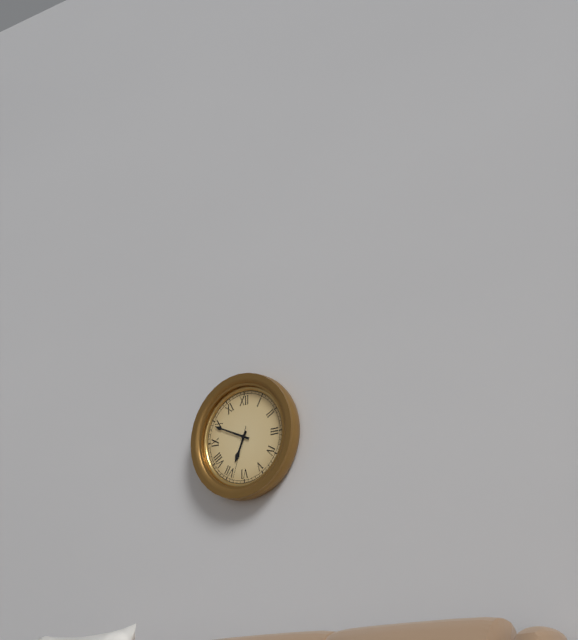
6h49m33s
